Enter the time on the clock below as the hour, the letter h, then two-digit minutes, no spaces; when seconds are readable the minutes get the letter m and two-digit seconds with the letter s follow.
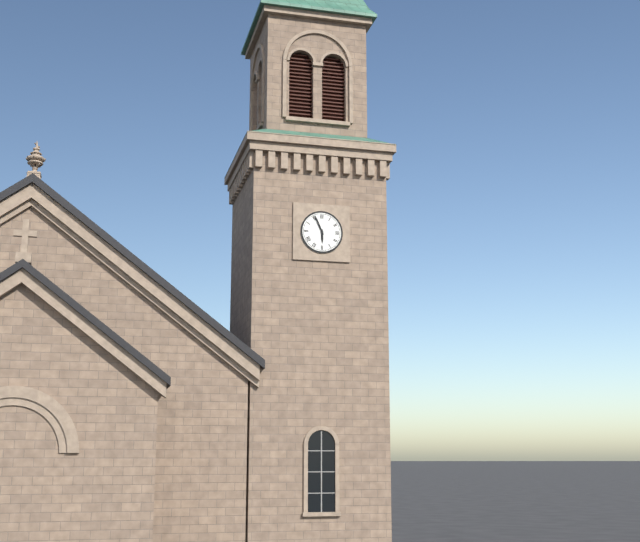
5h56
